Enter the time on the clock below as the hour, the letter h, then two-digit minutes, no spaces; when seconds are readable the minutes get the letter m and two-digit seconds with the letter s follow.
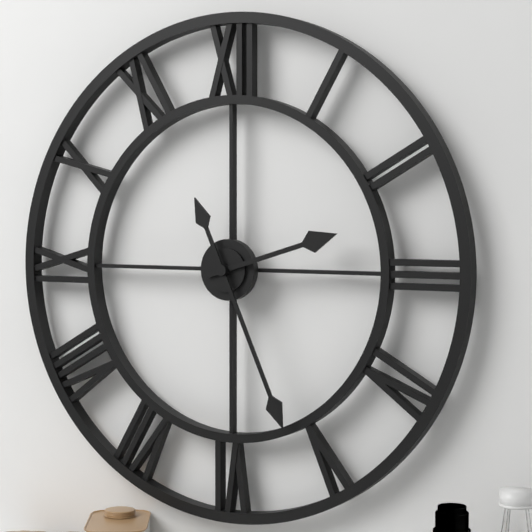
2h26
